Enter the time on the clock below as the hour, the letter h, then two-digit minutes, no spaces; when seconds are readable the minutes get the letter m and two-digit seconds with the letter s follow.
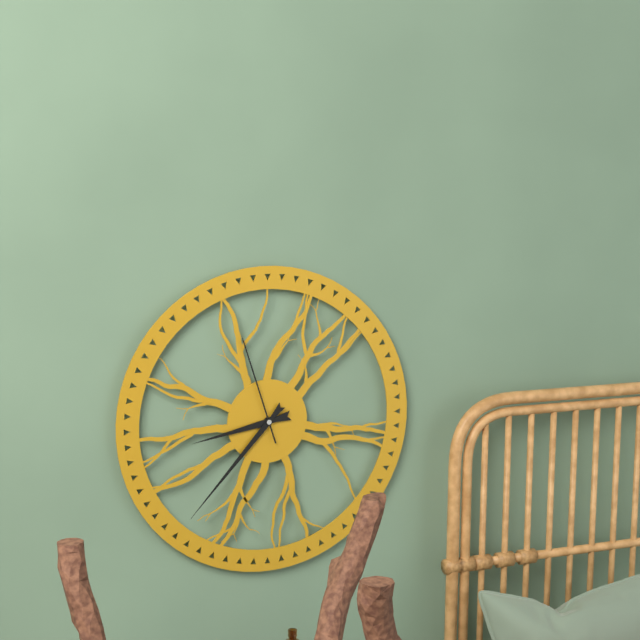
8h37m57s
